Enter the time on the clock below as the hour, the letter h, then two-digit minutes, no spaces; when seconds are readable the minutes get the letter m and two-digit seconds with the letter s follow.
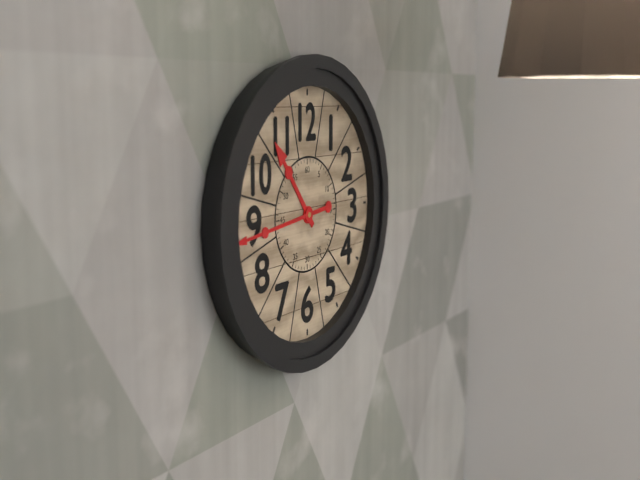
10h44
